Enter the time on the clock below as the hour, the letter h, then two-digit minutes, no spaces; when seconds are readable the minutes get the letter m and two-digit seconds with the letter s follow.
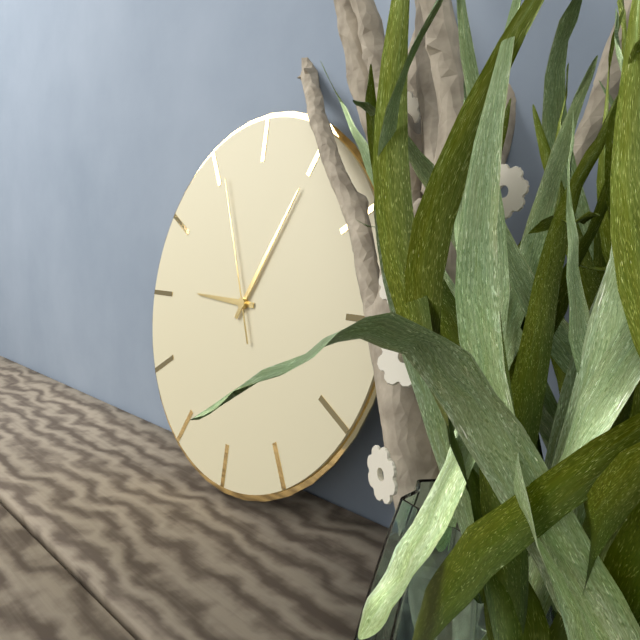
9h05m56s
